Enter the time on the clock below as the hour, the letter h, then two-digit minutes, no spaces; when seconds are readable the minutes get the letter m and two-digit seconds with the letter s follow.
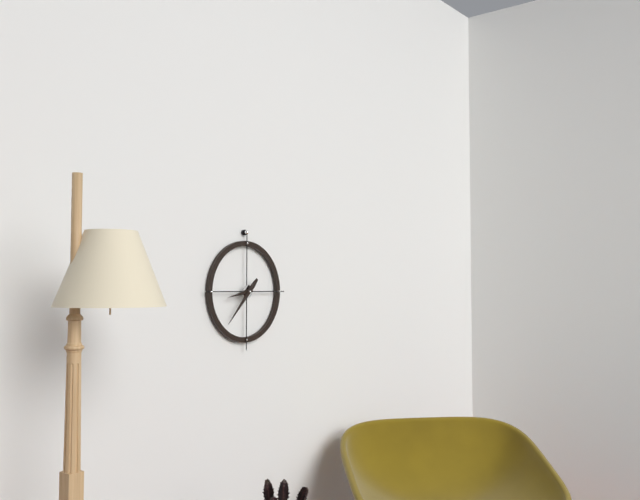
8h37
